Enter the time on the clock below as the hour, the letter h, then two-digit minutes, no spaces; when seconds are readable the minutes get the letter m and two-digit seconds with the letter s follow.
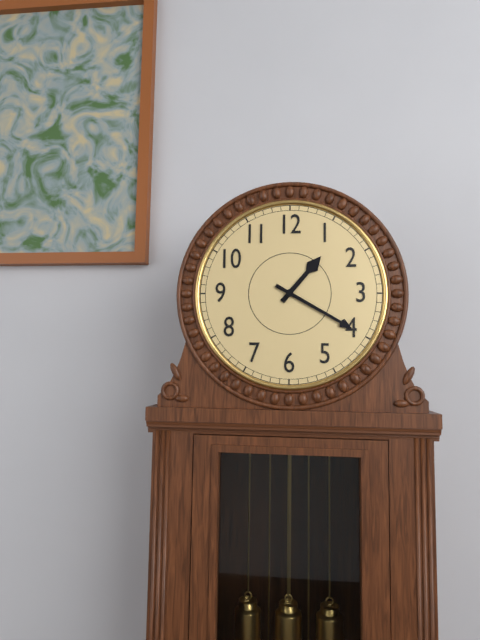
1h20
